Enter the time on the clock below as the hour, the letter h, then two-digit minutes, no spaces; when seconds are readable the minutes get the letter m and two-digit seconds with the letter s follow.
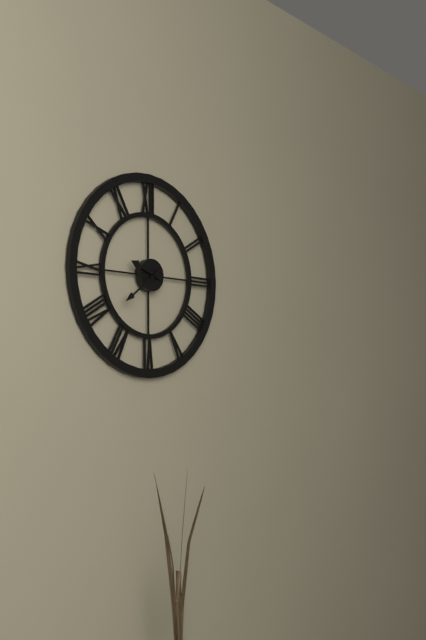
9h39
